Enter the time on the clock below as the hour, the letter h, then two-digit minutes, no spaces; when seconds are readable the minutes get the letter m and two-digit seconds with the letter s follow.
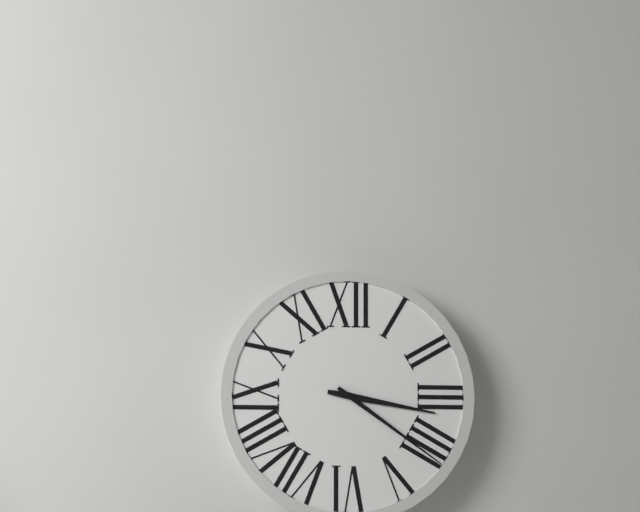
3h21
